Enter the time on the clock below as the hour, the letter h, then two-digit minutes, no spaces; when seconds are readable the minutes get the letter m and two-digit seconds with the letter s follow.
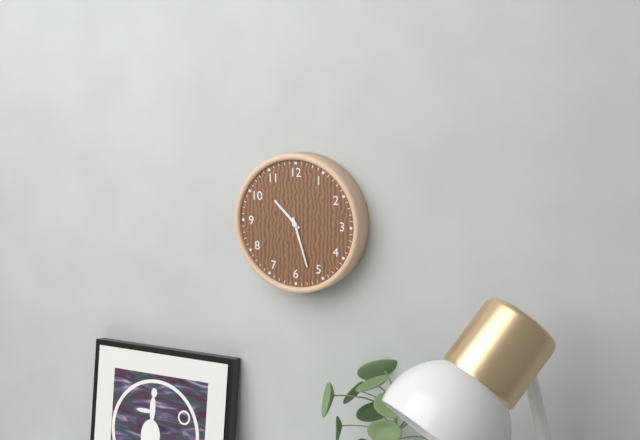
10h27
